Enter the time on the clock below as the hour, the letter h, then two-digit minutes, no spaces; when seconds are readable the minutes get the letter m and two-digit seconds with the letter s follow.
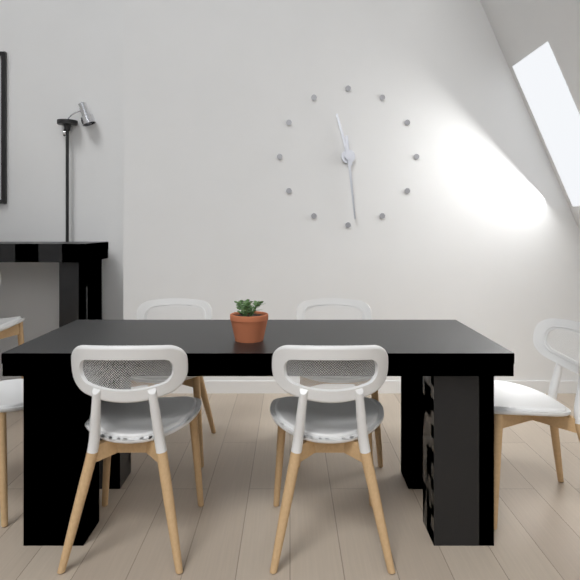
11h29
